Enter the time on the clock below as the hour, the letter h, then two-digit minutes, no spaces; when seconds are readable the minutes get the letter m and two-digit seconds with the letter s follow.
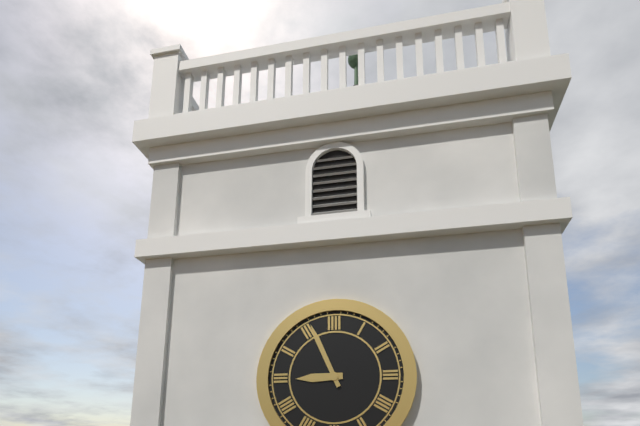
8h56
